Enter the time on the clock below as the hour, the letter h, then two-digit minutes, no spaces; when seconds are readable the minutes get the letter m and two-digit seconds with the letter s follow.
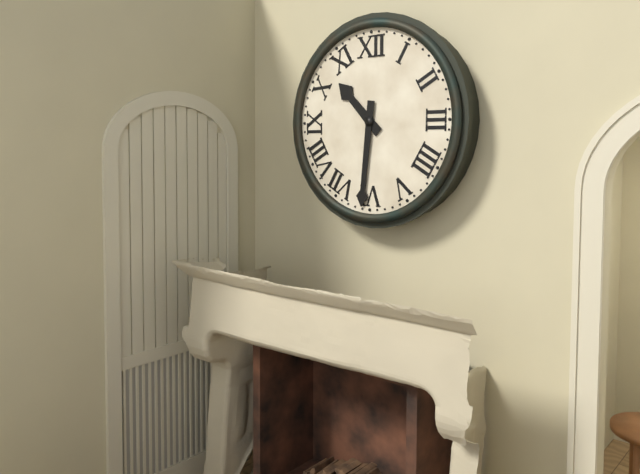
10h31
